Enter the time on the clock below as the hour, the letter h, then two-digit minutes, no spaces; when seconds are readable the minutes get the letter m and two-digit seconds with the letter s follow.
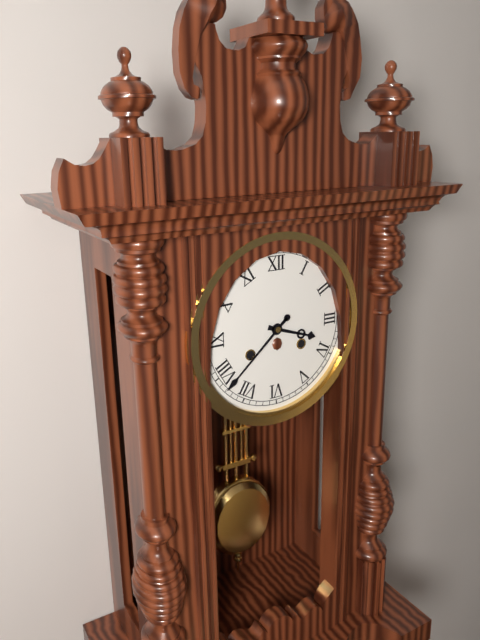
3h38
